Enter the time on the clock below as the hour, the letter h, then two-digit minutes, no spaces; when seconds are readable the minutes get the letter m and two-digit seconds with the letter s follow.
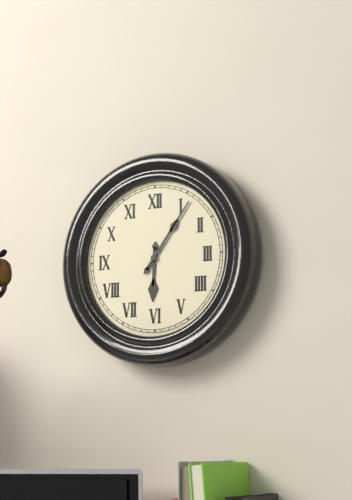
6h06
